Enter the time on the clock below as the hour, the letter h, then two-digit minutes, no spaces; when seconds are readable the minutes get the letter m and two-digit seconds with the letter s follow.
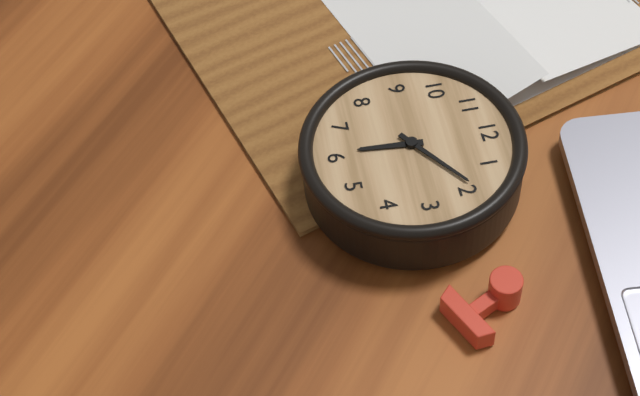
6h09
